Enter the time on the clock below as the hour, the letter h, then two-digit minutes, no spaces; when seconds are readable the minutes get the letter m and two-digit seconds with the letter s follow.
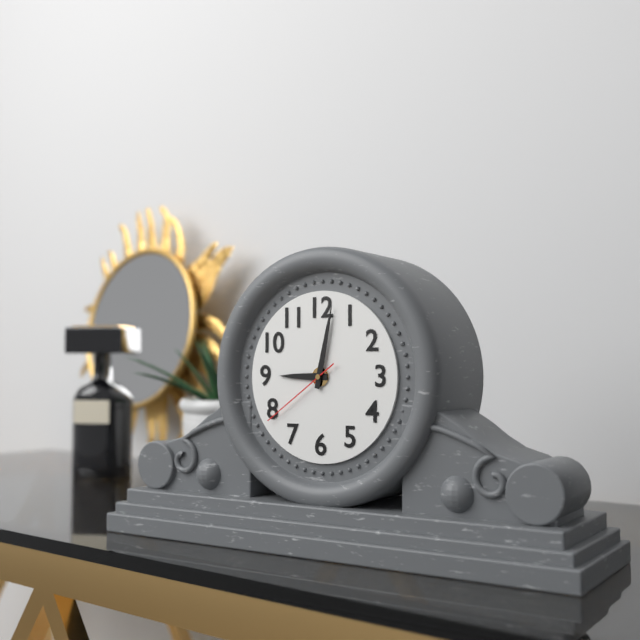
9h02m39s
